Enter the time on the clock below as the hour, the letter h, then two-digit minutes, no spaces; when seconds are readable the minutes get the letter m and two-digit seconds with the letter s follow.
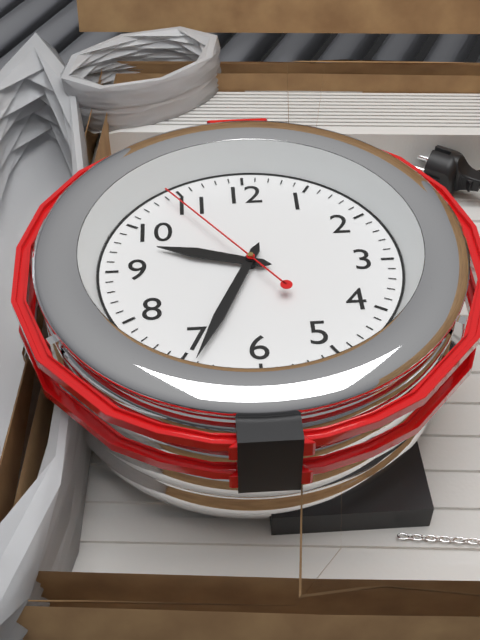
9h34m54s
